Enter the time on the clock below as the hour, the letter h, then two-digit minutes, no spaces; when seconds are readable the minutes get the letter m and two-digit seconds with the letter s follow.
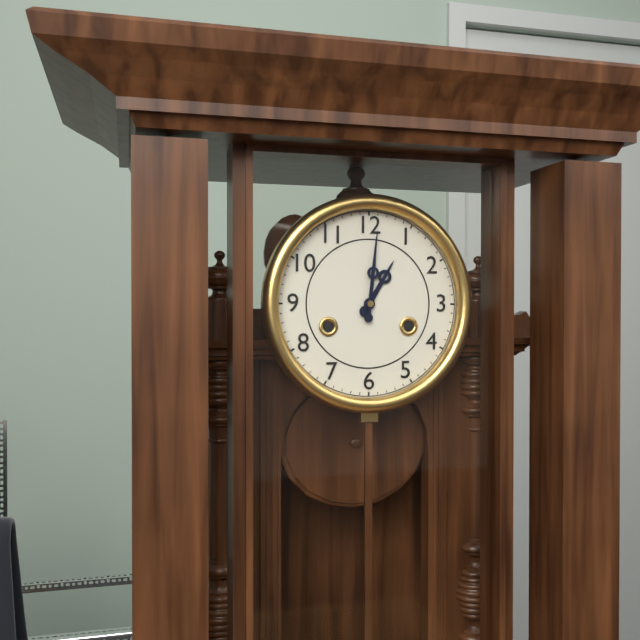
1h01
